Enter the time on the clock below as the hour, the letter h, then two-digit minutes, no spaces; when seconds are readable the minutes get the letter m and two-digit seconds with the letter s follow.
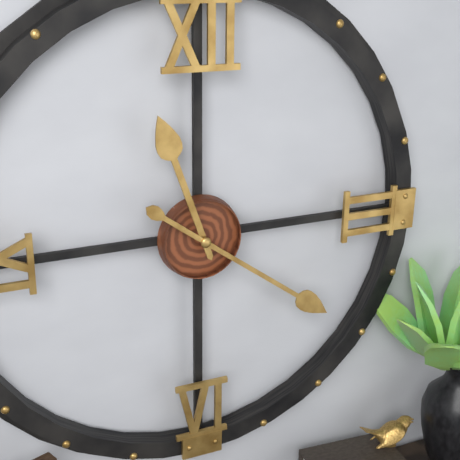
11h21
